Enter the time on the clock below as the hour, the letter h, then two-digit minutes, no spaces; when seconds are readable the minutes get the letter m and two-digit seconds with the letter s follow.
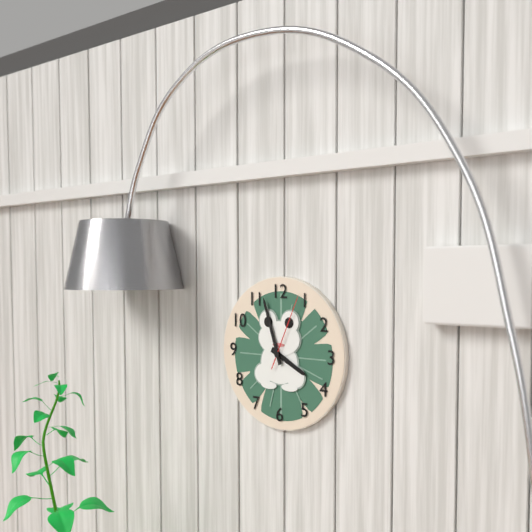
3h57m04s
